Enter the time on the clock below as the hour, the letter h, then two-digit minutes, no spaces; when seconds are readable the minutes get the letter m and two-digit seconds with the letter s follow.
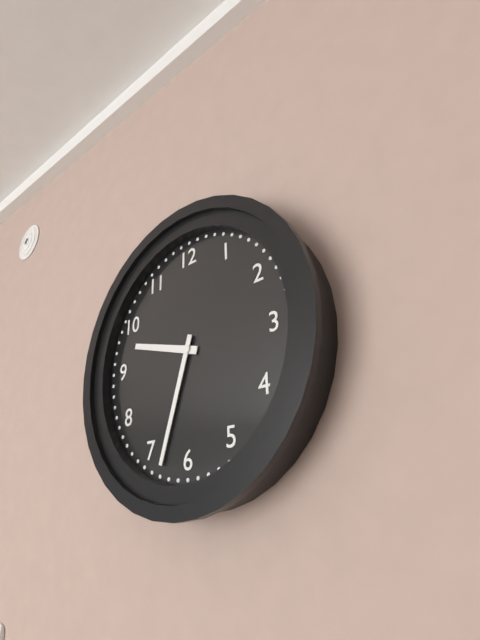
9h33
